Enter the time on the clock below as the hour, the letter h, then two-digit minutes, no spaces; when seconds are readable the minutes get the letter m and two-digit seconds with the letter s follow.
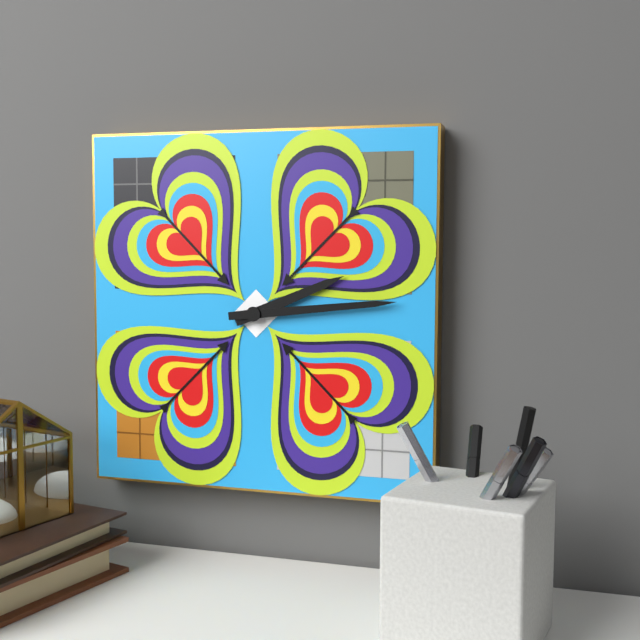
2h14
